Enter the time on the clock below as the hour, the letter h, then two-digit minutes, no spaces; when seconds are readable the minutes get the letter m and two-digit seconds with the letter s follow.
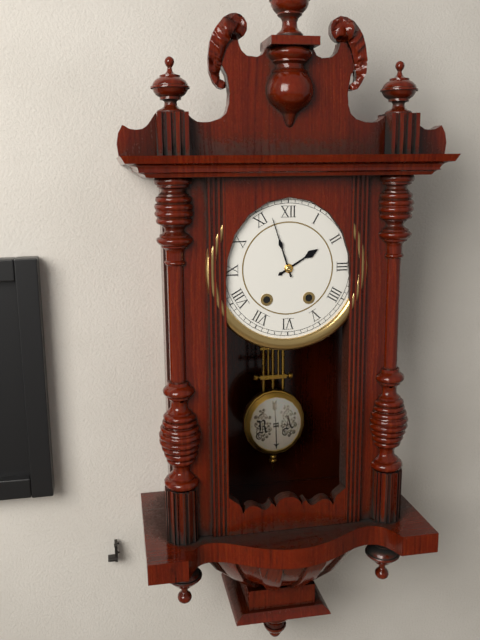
1h57
